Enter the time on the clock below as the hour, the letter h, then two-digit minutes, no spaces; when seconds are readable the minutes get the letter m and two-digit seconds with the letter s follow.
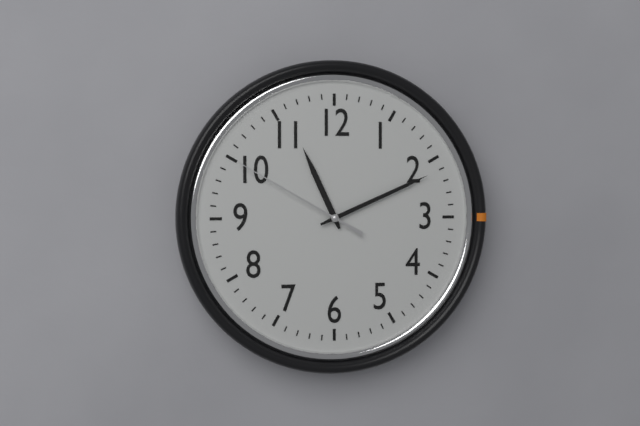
11h11m50s
